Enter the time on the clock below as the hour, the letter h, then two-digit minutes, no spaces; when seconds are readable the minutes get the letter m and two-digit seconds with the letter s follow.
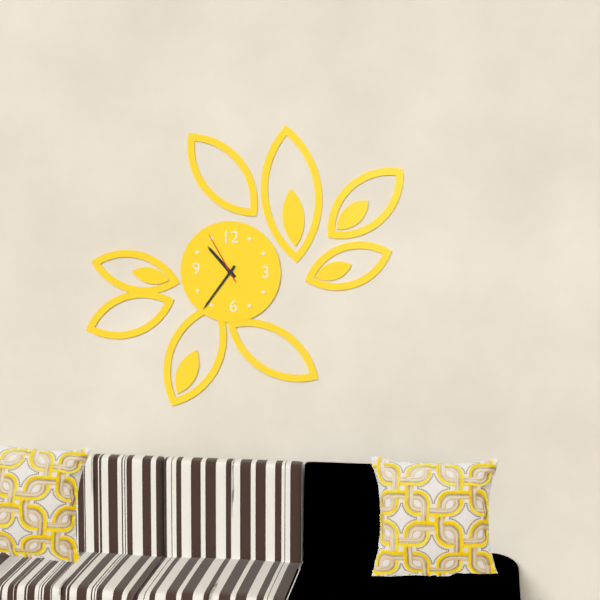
10h36m55s
